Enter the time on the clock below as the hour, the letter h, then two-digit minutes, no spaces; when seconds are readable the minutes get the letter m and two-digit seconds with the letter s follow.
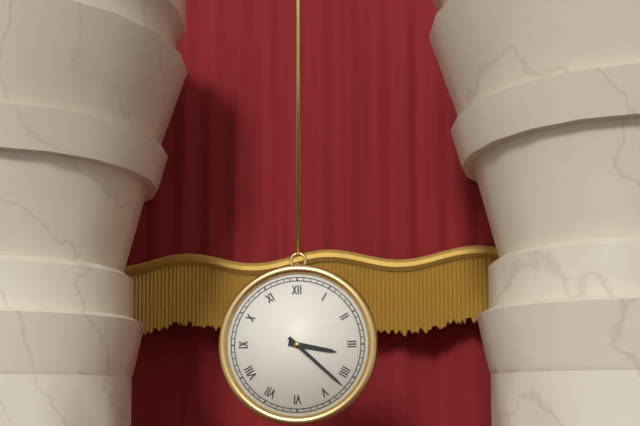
3h22
